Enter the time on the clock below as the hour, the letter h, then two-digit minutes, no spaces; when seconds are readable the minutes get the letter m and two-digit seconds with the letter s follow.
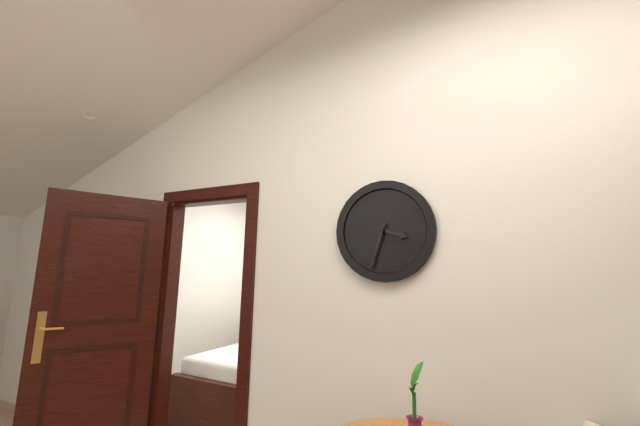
3h33
